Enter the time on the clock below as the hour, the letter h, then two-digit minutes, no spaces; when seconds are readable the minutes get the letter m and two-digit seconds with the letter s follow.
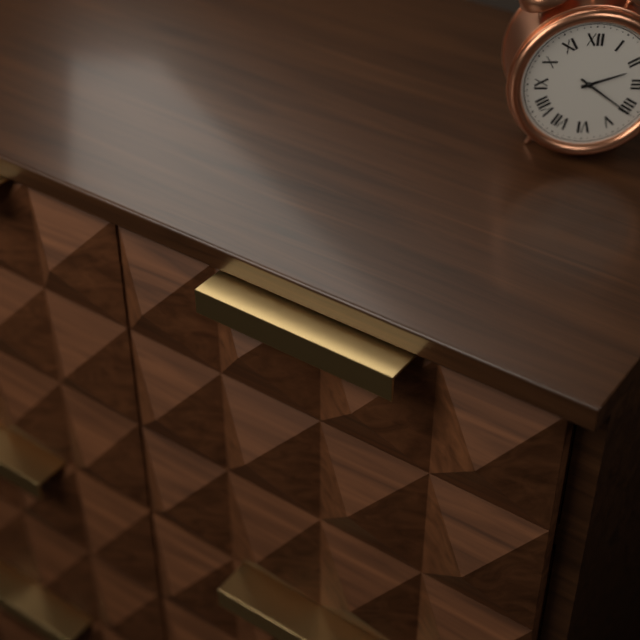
2h21
